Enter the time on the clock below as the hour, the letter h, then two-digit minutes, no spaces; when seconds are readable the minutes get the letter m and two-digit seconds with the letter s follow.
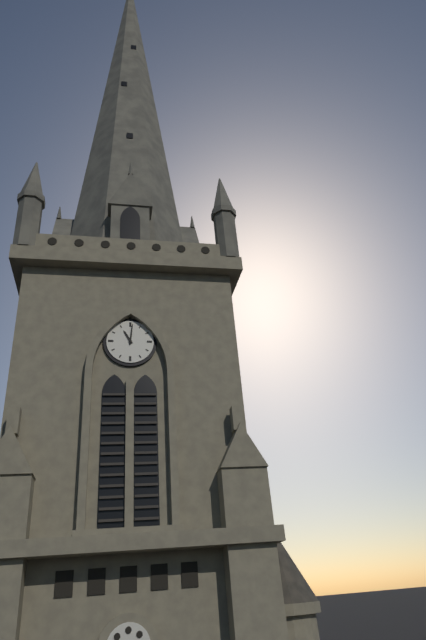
11h01
